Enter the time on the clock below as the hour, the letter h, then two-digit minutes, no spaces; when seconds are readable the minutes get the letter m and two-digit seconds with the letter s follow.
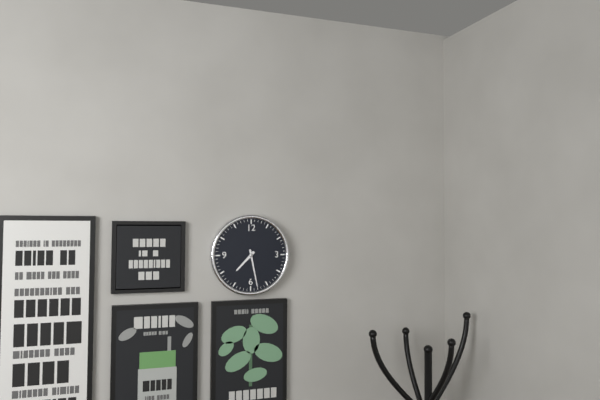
7h28
